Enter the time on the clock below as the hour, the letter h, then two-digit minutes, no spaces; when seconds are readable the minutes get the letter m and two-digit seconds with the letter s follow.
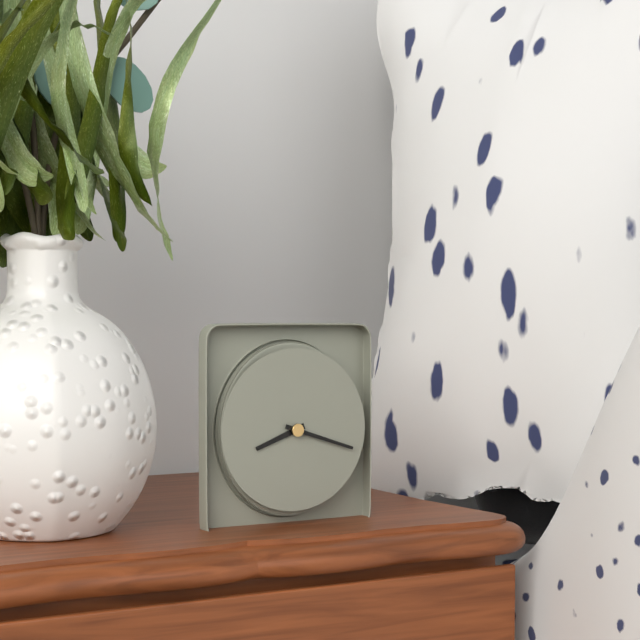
8h18
